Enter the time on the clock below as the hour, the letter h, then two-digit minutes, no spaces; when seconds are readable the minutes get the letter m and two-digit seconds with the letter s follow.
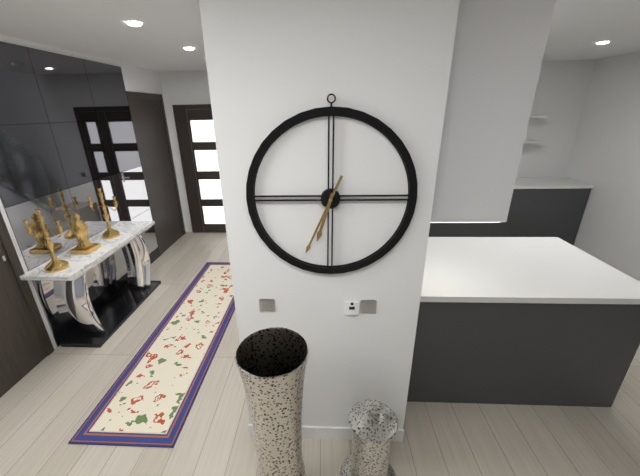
6h34
